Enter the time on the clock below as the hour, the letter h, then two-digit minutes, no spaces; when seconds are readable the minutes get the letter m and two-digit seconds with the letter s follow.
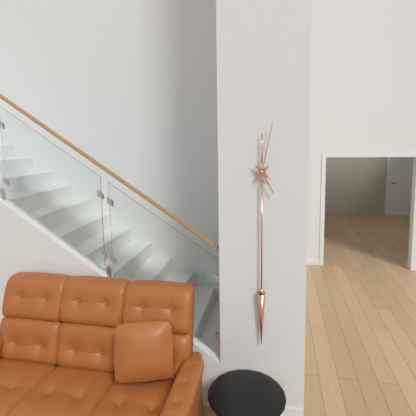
5h02
